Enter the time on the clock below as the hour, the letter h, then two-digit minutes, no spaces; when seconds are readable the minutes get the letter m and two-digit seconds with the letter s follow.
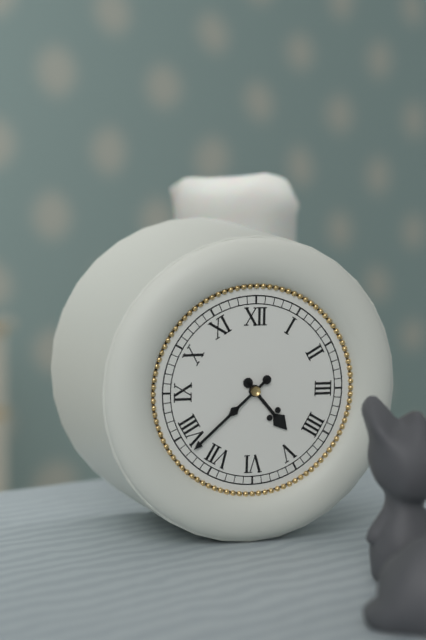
4h38
